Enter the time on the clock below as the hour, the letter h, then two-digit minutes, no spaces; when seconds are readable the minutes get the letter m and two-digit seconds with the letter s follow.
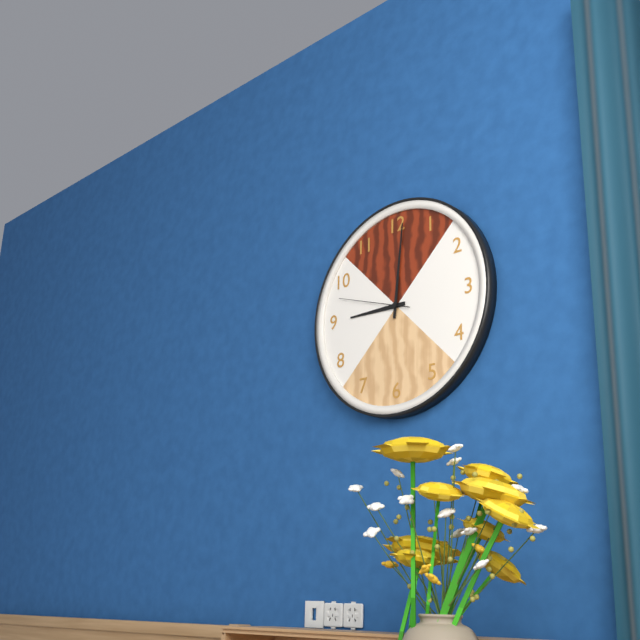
9h01m48s
